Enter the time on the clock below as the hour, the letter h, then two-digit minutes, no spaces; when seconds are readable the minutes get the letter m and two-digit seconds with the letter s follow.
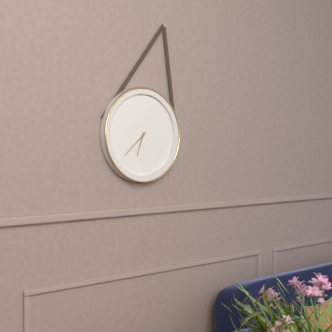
6h38
